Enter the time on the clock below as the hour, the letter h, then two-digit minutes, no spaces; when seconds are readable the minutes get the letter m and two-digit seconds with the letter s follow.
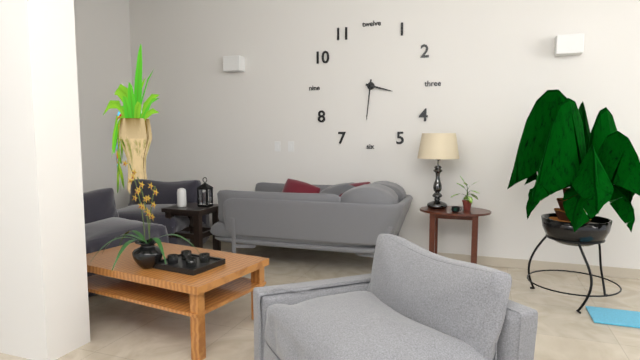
3h31
